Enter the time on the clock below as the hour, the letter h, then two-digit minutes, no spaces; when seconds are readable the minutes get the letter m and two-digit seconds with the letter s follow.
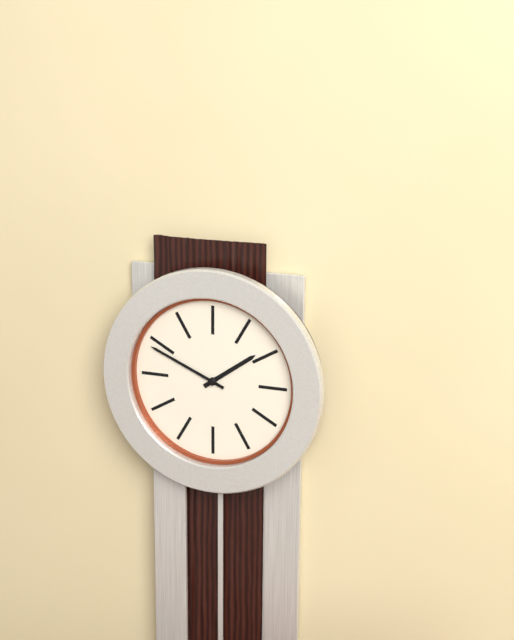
1h49
